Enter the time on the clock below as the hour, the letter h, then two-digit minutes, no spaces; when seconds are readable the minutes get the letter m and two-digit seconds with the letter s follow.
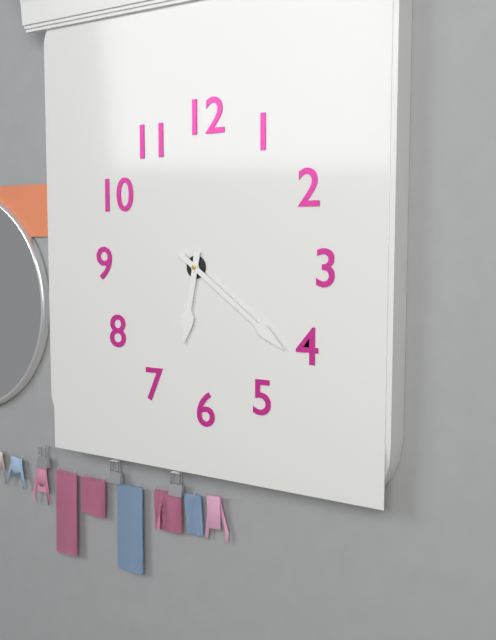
6h21
